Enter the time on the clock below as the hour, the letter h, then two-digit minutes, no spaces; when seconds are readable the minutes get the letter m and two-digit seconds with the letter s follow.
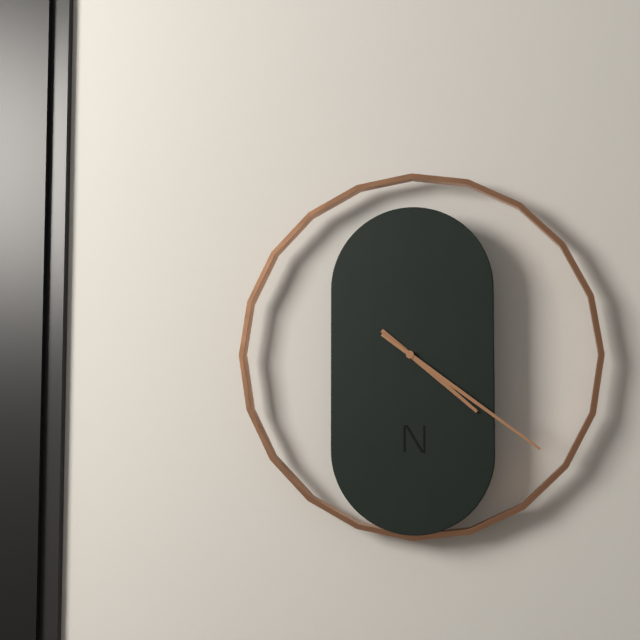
4h21
